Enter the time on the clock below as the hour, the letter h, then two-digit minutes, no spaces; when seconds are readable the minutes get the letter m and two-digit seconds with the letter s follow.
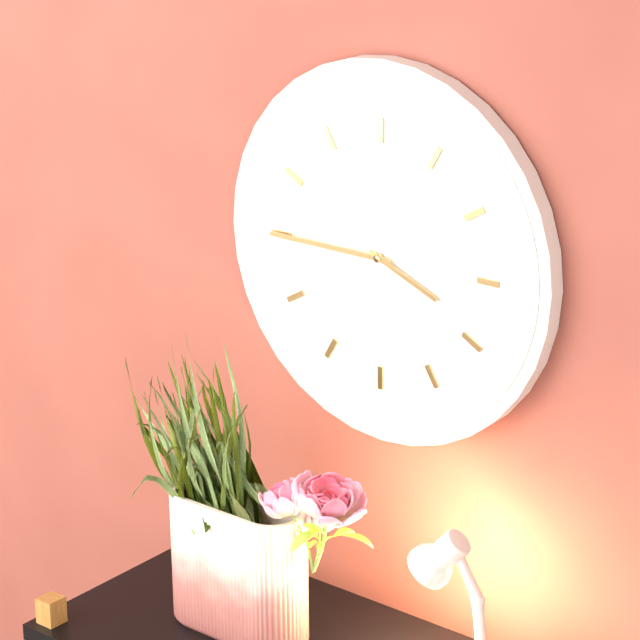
3h45
